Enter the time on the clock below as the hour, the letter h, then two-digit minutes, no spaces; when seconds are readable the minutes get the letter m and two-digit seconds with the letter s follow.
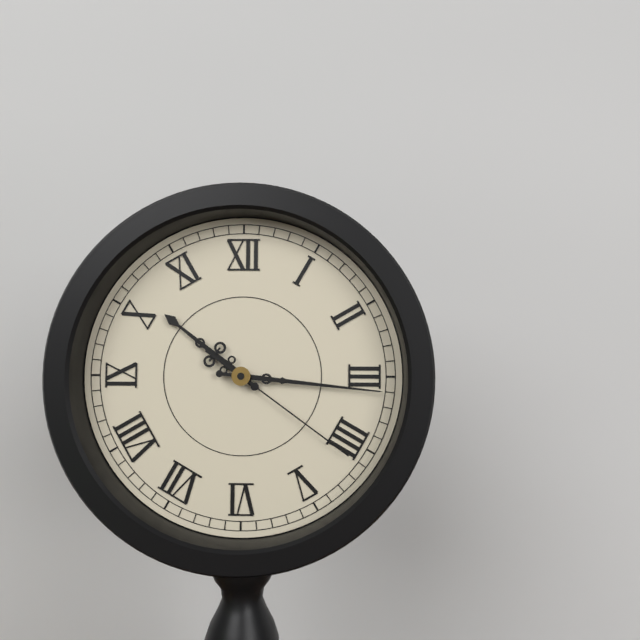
10h16m21s
